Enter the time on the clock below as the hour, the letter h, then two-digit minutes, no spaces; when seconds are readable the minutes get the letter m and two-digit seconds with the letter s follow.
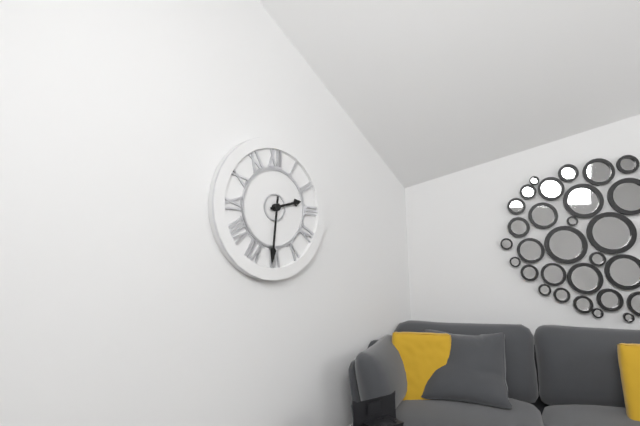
2h31
